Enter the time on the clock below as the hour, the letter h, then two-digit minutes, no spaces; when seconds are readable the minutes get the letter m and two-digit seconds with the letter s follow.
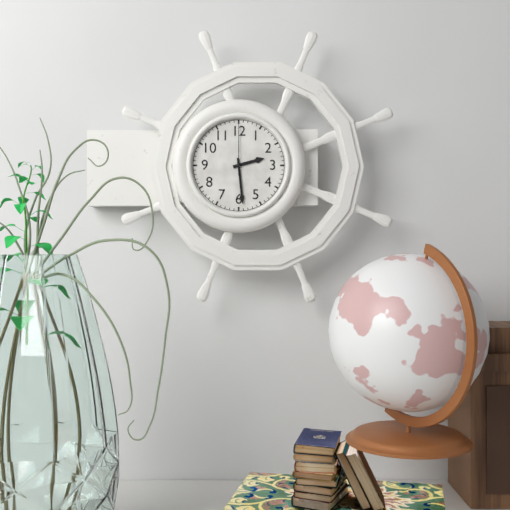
2h29m00s
